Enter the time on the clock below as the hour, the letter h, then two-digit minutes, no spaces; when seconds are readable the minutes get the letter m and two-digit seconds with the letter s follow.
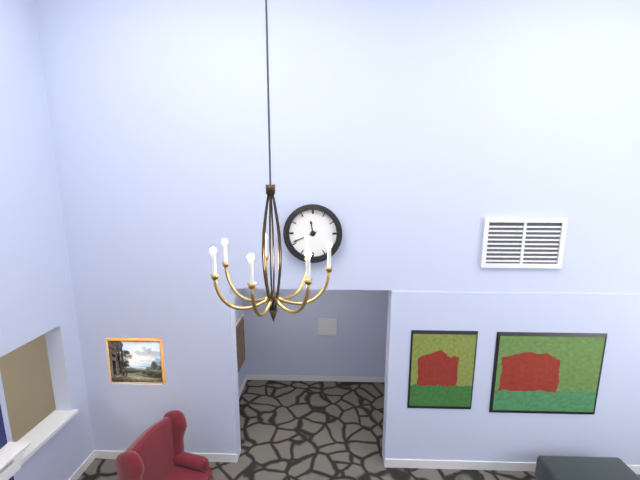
11h41
